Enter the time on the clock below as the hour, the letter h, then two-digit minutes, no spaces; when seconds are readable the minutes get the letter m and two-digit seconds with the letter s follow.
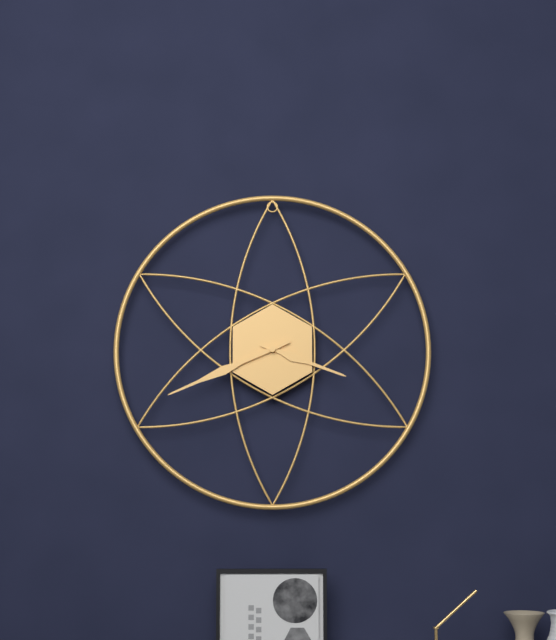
3h41
